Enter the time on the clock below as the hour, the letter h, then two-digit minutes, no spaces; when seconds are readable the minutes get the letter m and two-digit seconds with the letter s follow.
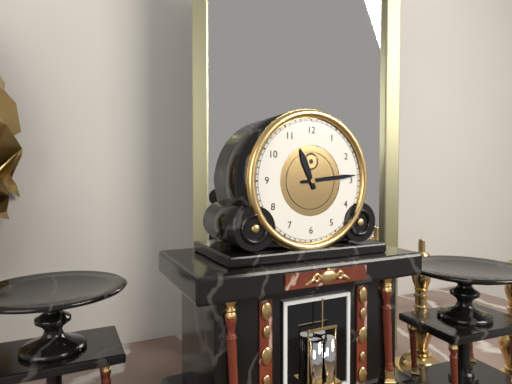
11h14
